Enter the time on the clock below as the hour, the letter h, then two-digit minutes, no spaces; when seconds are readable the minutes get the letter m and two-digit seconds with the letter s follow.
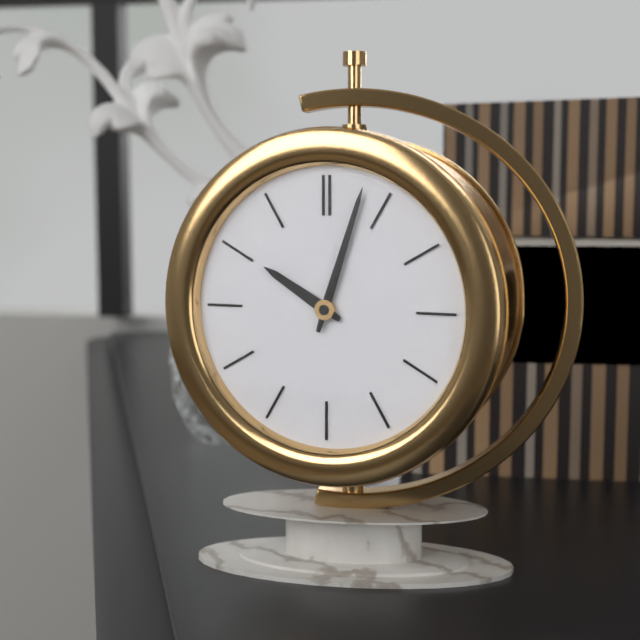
10h03
